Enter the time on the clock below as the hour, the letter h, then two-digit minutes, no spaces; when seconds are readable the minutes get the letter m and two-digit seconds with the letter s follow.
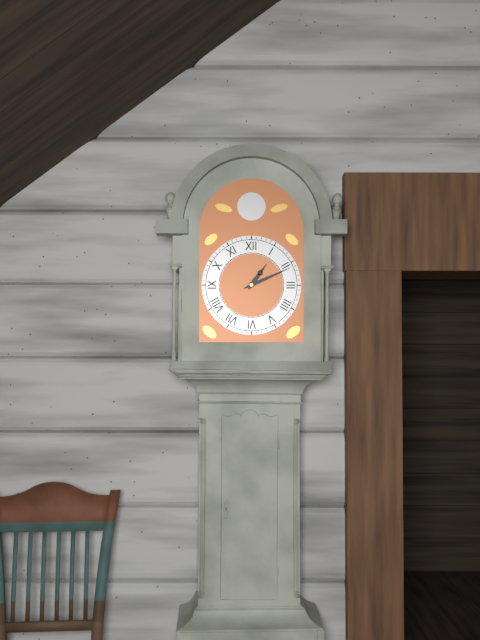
1h11
